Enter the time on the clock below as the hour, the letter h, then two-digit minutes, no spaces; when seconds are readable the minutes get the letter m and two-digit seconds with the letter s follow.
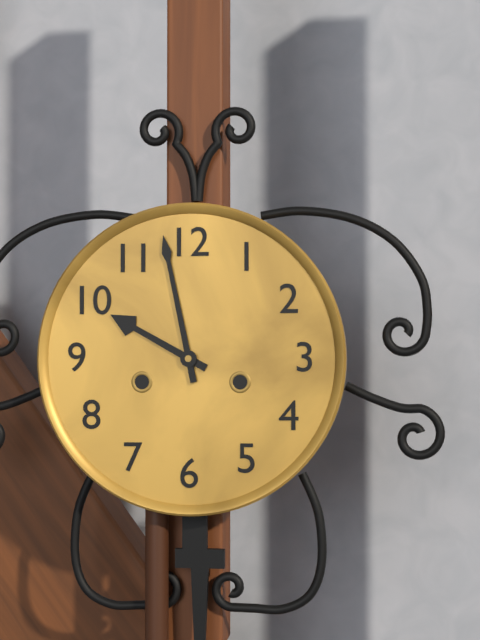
9h58
